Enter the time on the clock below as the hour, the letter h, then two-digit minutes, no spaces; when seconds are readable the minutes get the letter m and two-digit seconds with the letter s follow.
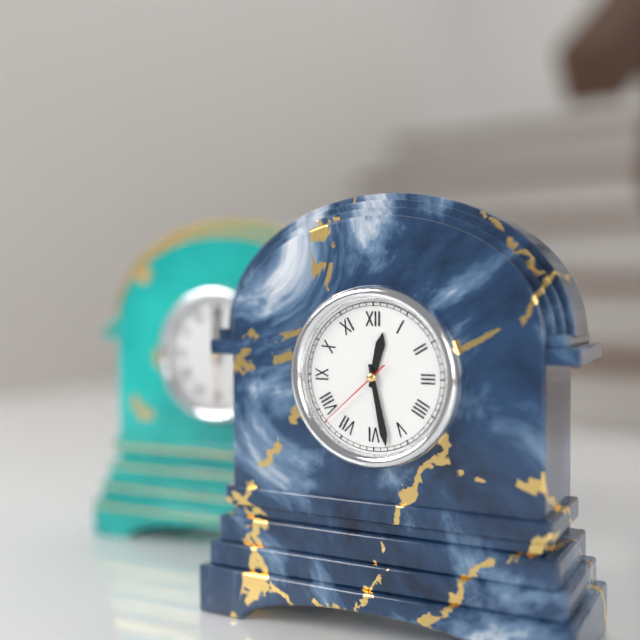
12h28m38s
